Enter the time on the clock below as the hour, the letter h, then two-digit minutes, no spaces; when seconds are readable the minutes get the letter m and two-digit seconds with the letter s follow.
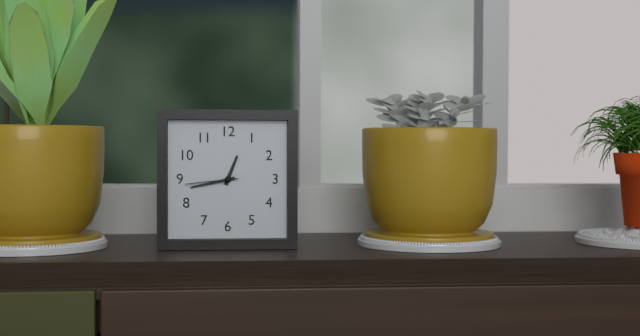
12h43m44s
